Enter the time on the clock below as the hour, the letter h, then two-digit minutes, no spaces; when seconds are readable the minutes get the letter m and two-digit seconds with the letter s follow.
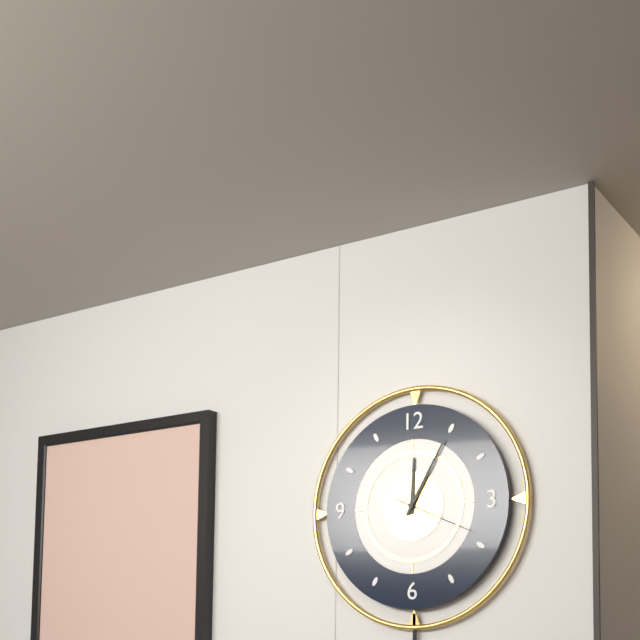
12h05m19s
